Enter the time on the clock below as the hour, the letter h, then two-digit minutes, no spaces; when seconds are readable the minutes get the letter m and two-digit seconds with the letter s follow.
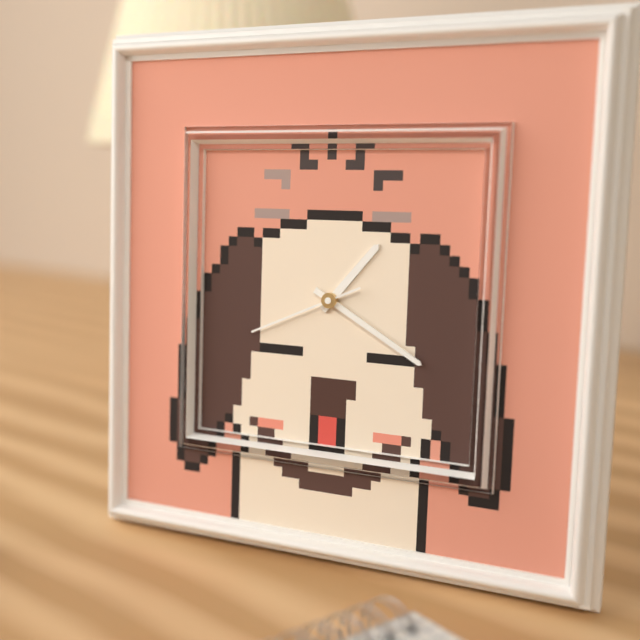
1h20m41s
